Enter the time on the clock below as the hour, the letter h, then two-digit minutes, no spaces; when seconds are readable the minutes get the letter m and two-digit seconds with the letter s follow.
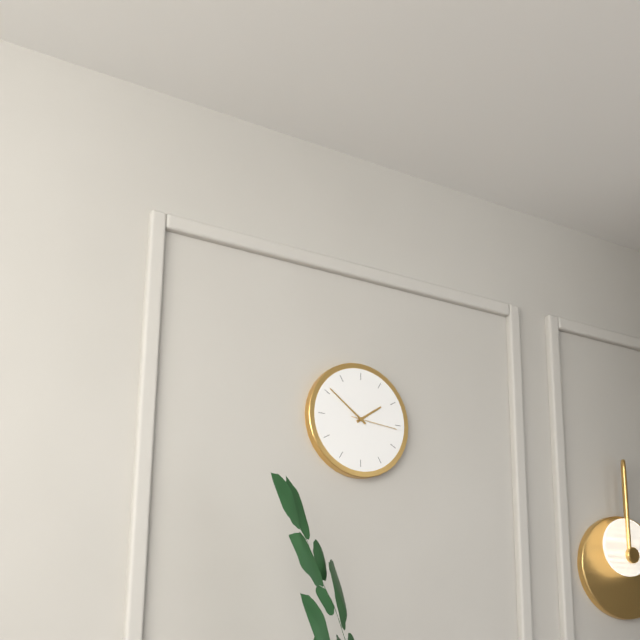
1h51
